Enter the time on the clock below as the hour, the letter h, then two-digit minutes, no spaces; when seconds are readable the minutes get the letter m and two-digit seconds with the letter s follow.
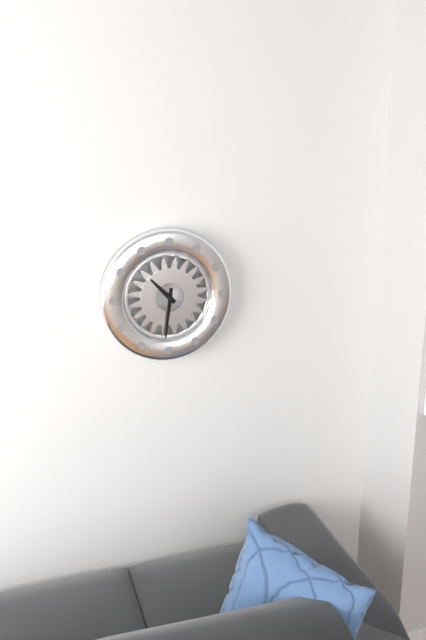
10h31
